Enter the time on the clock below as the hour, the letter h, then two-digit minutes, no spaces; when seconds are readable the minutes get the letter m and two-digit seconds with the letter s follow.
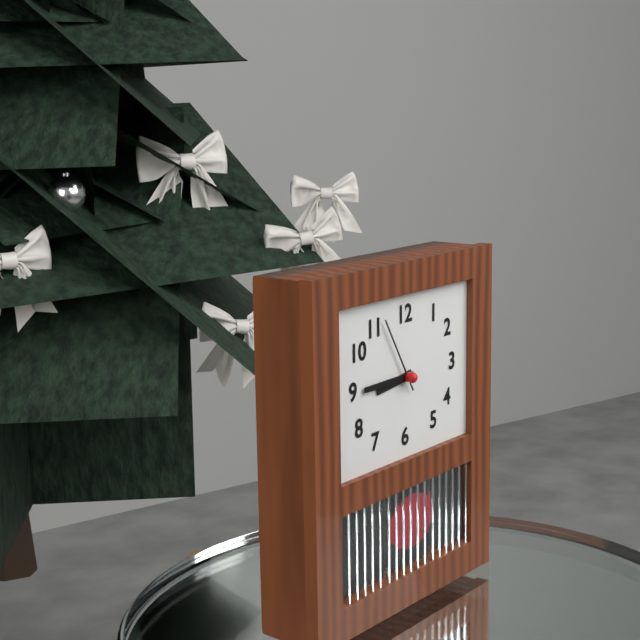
8h45m55s
